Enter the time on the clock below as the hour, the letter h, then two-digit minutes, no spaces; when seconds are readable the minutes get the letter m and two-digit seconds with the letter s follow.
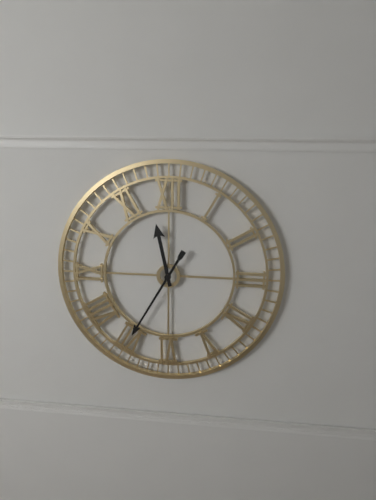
11h35
